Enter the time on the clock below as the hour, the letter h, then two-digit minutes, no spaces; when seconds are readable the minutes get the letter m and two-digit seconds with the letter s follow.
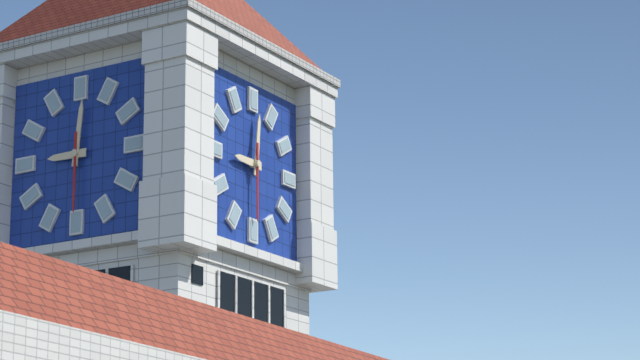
9h01m30s
